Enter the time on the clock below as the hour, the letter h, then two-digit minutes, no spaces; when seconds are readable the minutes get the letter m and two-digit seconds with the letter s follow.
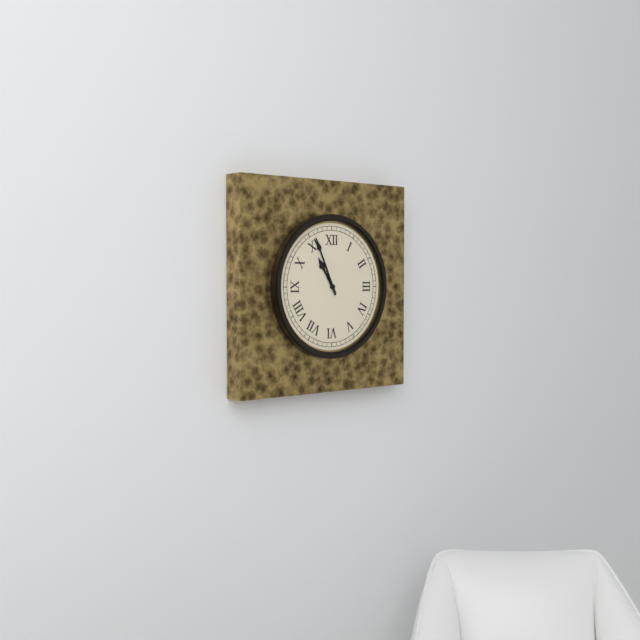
10h56
